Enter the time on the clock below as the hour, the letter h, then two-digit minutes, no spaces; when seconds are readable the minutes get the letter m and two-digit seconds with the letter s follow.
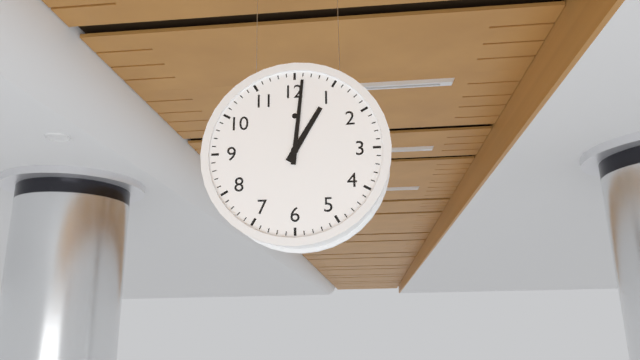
1h01
